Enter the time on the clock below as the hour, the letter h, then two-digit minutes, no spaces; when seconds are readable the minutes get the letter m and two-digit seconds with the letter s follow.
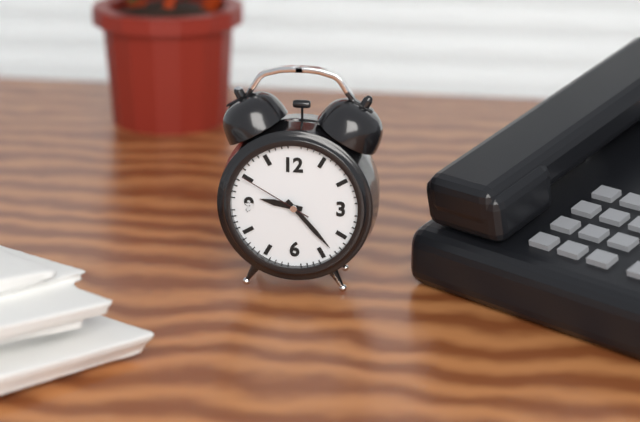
9h23m50s
